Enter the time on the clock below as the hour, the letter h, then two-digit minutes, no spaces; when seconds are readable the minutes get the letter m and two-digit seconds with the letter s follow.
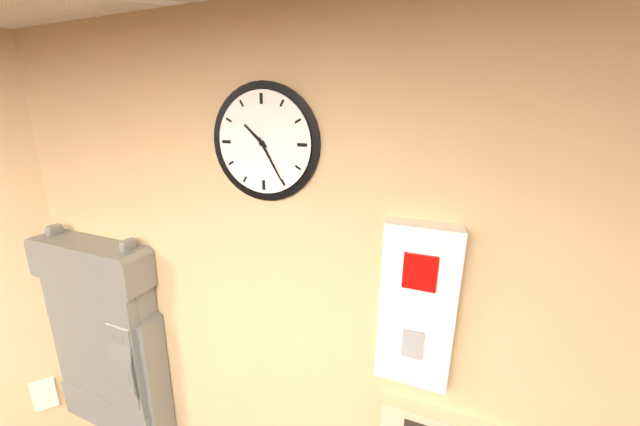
10h25
